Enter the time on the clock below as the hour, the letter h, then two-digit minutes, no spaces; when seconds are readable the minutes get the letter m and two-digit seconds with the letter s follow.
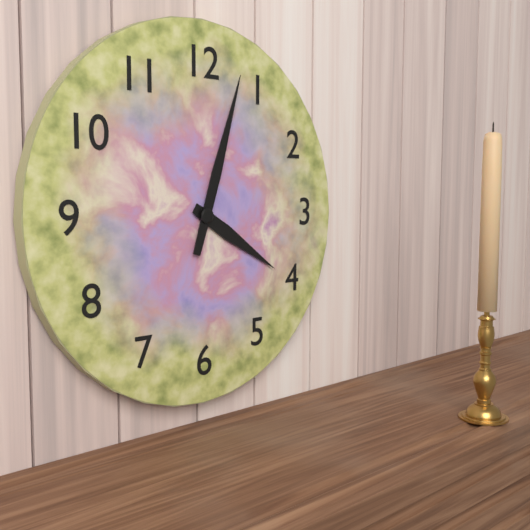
4h03
